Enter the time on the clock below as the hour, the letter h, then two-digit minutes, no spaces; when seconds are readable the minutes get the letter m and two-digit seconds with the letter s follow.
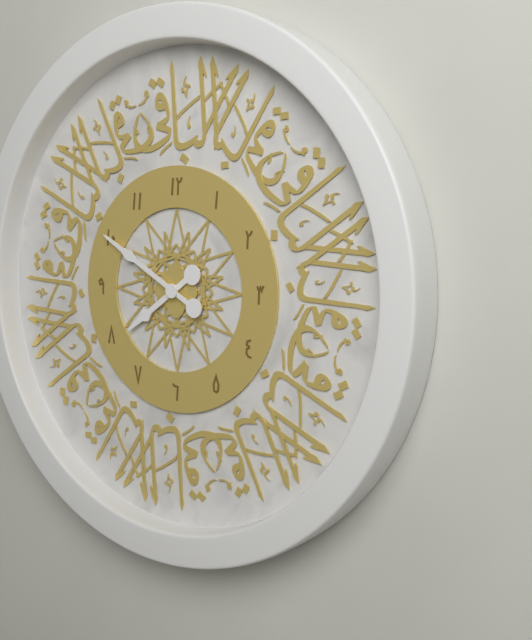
7h50
